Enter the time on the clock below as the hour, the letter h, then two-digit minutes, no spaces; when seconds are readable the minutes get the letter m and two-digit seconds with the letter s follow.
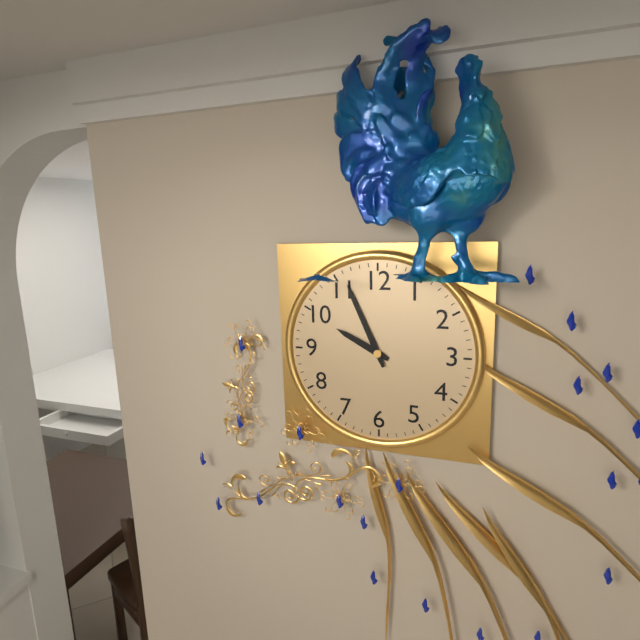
9h56
